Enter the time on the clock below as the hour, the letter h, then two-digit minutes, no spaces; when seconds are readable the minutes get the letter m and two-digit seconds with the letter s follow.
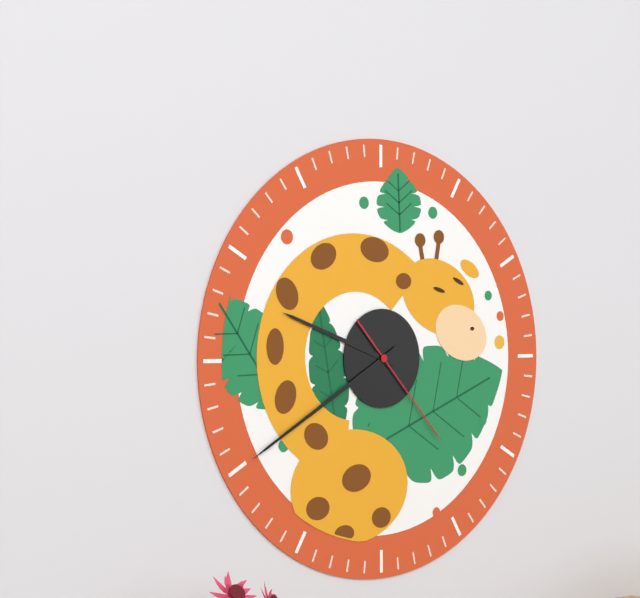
9h40m23s
